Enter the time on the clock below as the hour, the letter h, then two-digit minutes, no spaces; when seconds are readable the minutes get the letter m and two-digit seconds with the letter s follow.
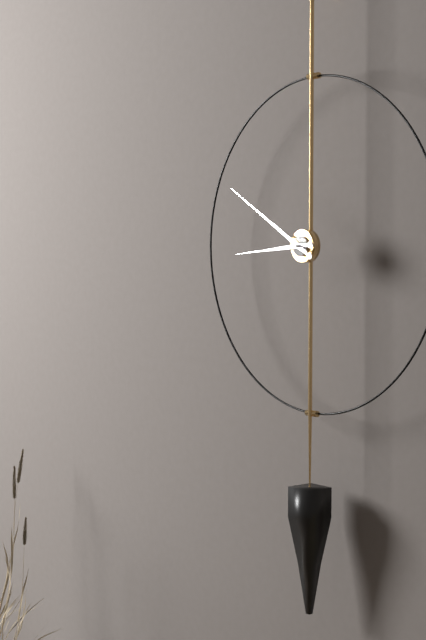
8h50
